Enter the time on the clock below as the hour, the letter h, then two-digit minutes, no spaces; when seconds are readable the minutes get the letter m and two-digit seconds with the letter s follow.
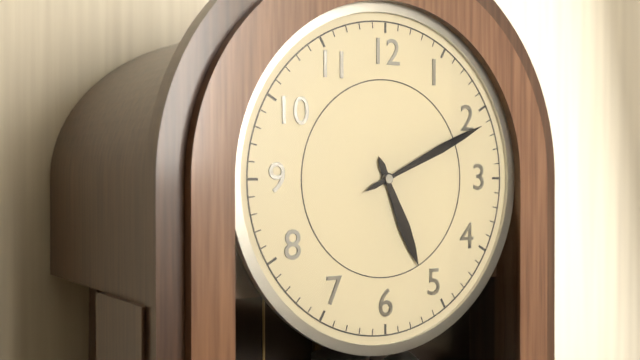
5h11
